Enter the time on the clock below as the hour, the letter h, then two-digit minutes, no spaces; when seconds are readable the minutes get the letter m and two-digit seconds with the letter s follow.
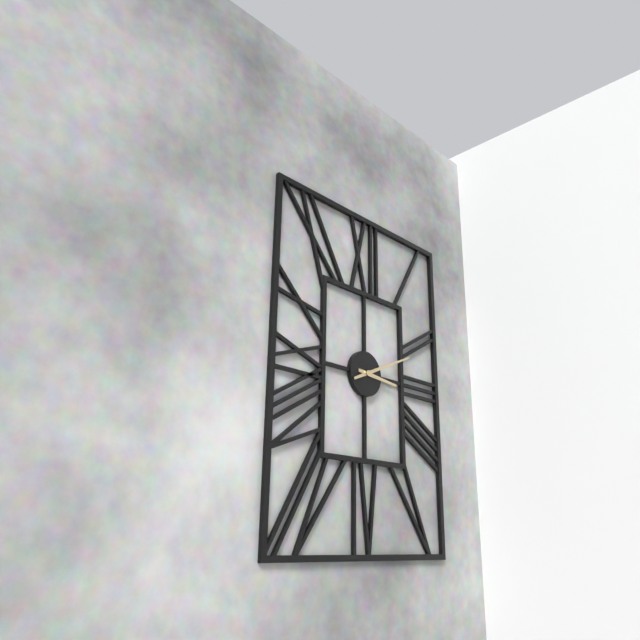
3h11
